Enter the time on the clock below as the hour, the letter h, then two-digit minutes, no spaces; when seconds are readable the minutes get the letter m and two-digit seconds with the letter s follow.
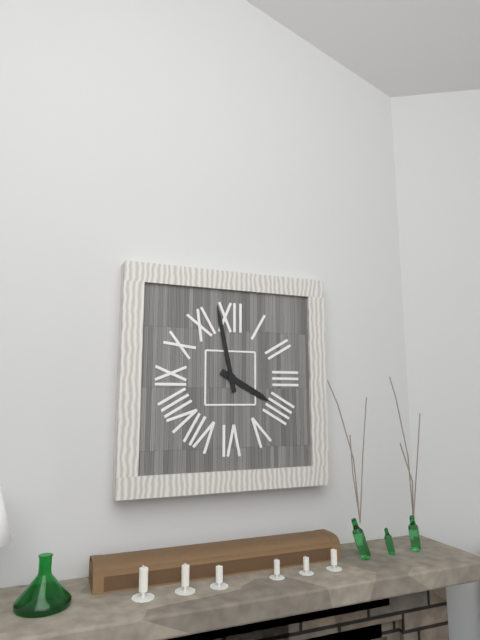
3h58
